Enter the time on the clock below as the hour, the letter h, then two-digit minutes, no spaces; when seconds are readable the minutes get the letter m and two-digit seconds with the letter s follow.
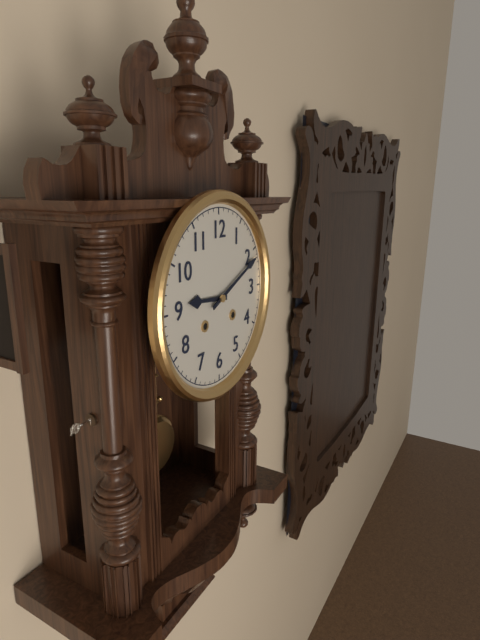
9h11
